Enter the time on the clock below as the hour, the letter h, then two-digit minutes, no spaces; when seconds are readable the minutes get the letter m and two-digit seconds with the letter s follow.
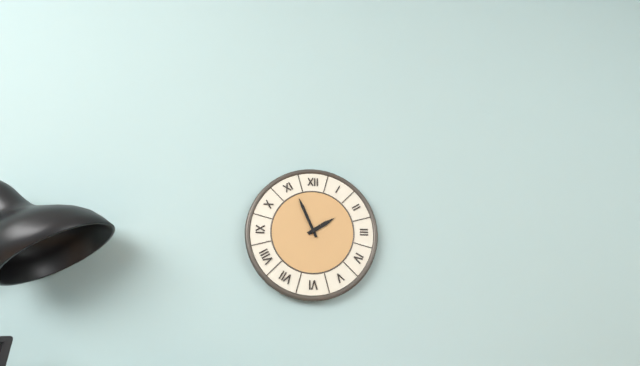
1h56
